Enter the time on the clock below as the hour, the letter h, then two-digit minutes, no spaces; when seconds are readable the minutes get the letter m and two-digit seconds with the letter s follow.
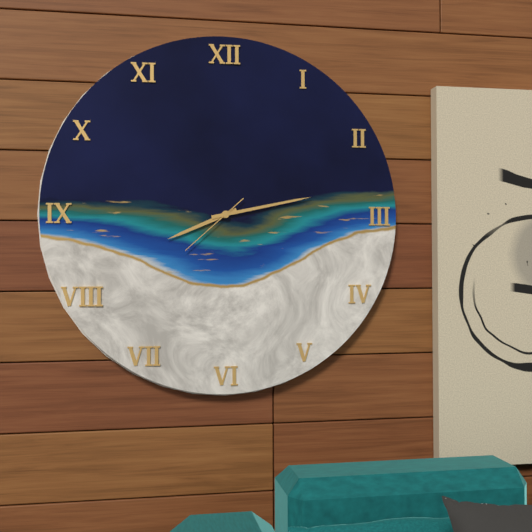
8h13m38s
